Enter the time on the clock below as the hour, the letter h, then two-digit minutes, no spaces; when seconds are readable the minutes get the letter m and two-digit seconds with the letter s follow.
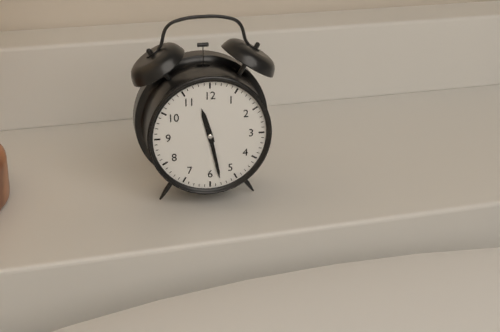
11h28
